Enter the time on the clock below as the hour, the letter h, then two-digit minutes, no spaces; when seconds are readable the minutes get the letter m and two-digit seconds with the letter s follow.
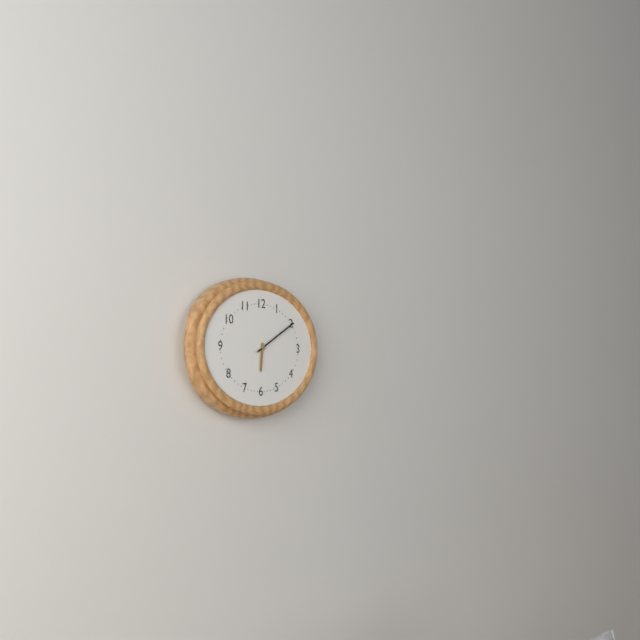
6h10
